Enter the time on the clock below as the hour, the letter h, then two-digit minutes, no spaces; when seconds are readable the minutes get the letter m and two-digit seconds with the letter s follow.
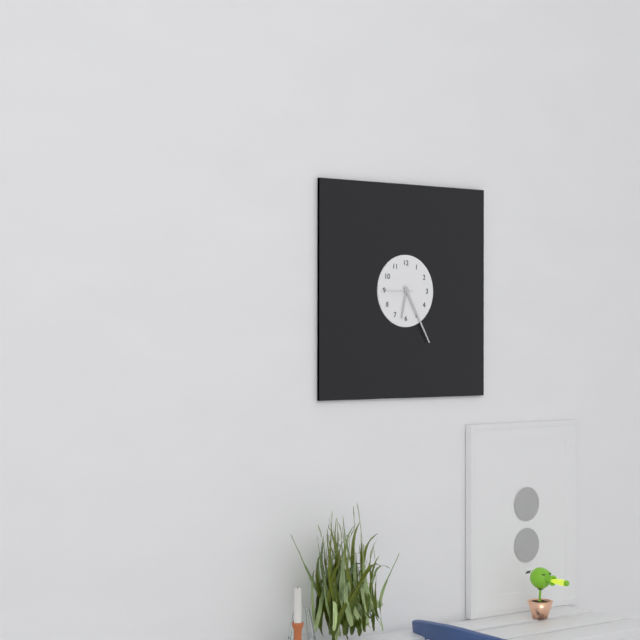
6h25
